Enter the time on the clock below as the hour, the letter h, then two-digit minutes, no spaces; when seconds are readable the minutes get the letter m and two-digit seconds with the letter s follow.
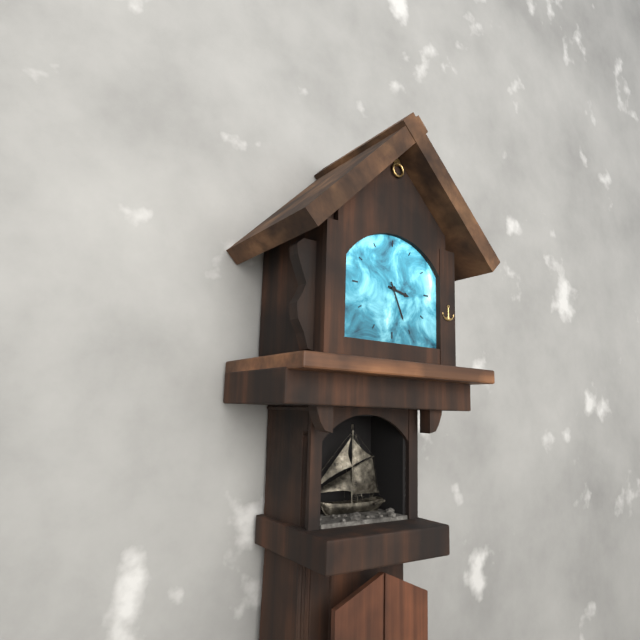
3h26
